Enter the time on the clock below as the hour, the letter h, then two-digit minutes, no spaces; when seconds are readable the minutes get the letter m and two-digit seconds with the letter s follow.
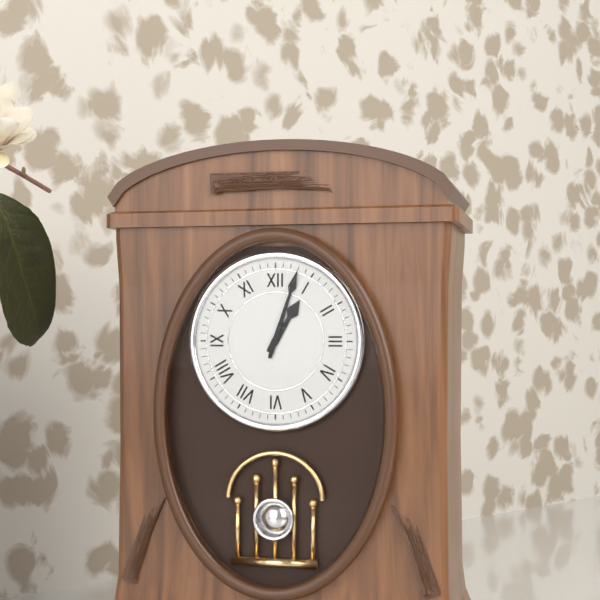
1h03
